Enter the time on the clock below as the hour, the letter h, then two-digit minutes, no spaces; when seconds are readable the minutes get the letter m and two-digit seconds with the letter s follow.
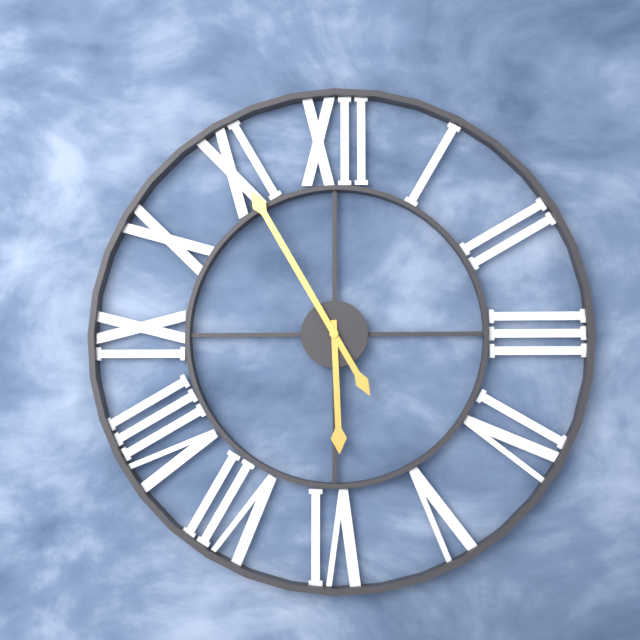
5h55
